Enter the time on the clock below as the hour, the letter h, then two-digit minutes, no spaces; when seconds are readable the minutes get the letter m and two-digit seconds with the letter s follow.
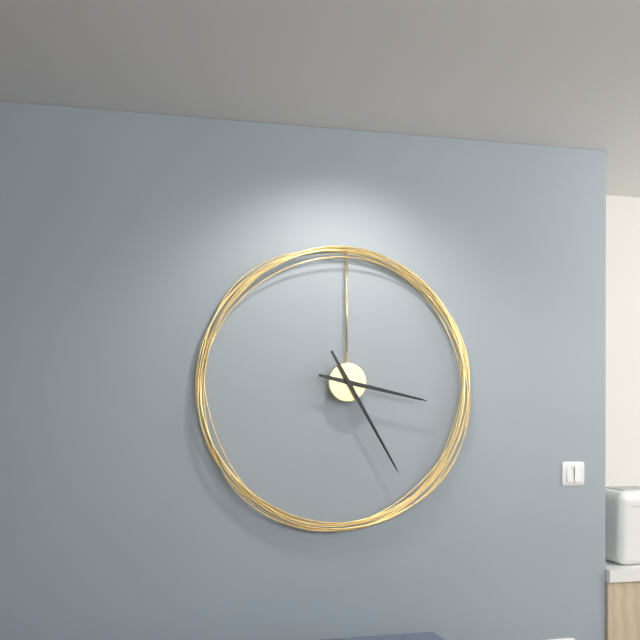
3h25
